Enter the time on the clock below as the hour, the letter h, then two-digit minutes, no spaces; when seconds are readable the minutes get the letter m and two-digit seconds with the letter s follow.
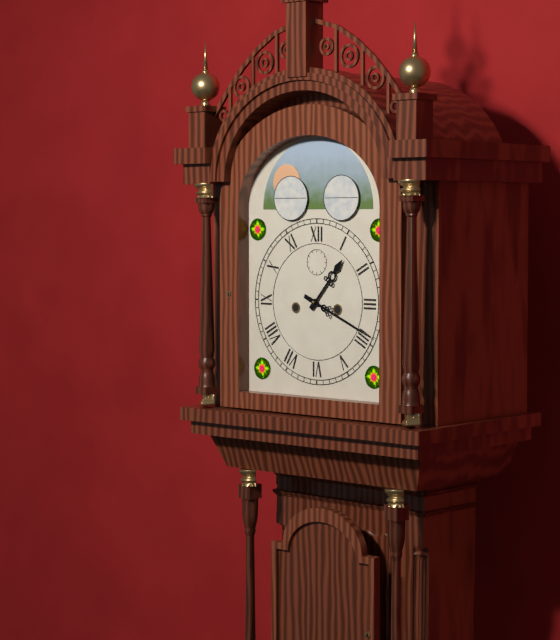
1h19
